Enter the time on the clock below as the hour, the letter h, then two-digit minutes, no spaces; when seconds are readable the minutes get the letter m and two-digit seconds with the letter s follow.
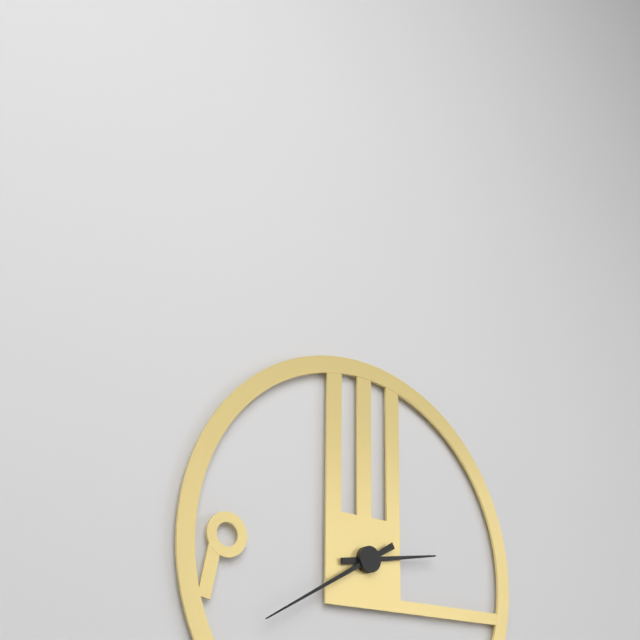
2h40
